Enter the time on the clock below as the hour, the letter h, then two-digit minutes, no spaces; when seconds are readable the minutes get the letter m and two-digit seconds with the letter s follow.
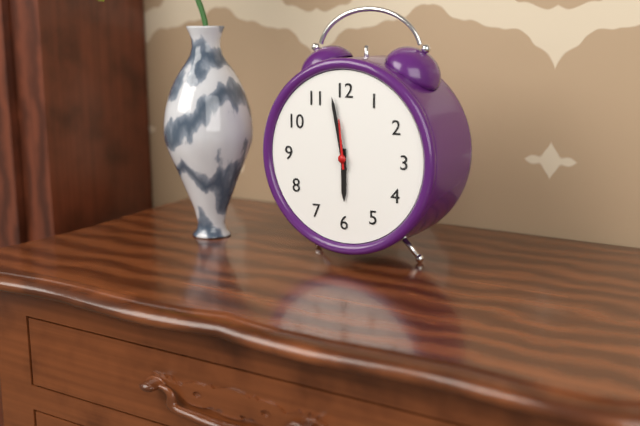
5h58
